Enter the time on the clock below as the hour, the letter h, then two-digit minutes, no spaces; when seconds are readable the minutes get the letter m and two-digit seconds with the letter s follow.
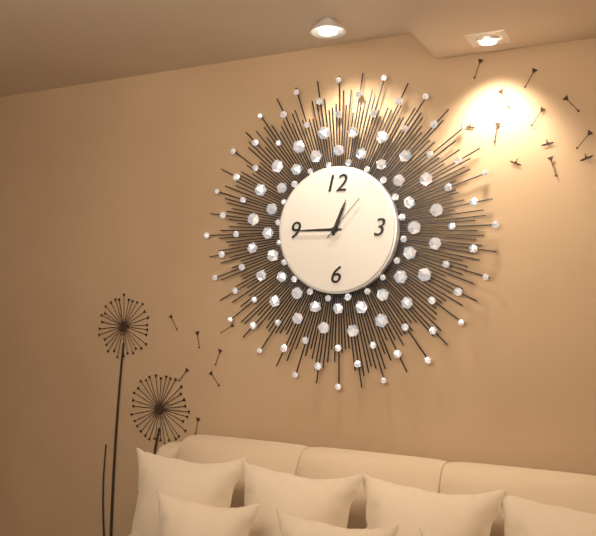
12h45m07s
